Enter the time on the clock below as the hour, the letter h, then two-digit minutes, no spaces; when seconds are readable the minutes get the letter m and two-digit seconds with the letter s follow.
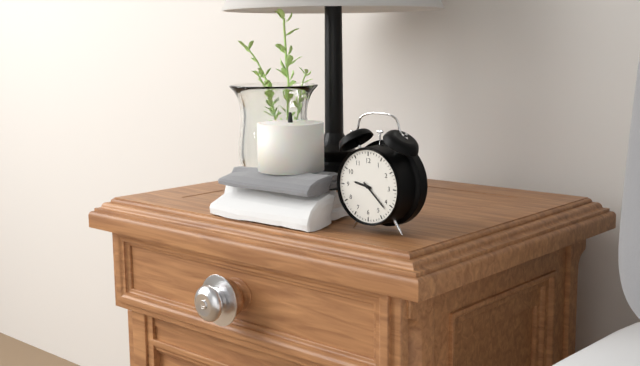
9h22
